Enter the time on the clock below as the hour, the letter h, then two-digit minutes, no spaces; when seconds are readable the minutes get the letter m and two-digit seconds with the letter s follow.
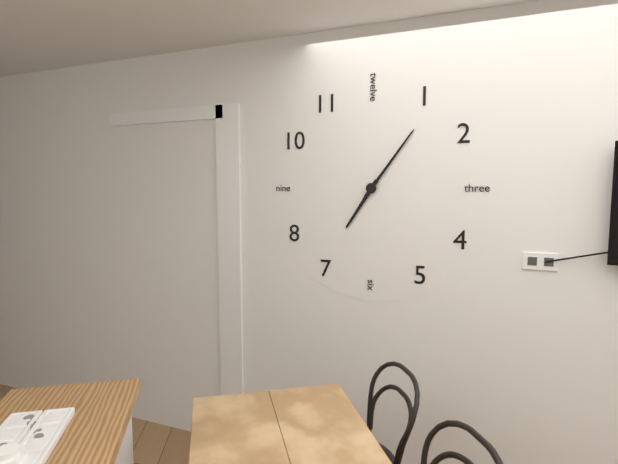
7h06
